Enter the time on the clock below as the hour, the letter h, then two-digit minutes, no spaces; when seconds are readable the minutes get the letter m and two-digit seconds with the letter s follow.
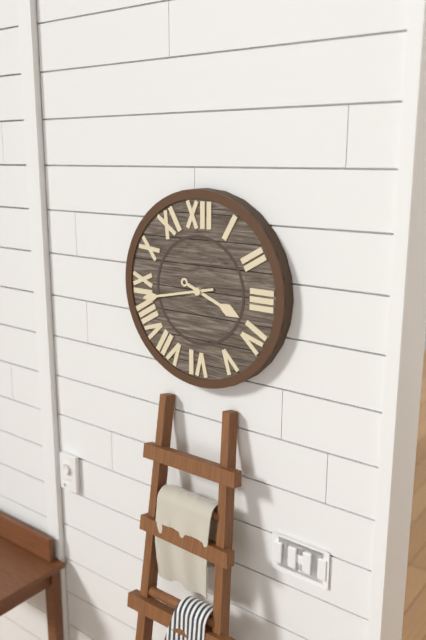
3h43
